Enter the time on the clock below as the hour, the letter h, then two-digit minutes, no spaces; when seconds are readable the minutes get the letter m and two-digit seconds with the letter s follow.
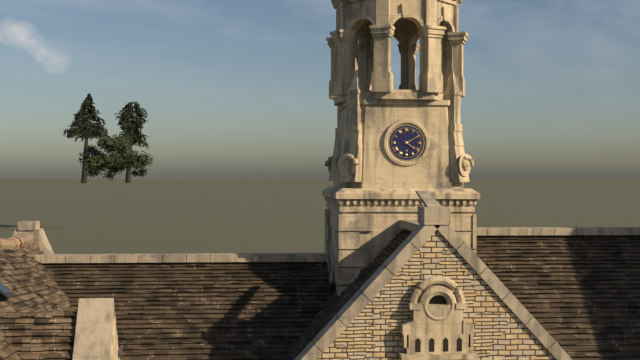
4h10
